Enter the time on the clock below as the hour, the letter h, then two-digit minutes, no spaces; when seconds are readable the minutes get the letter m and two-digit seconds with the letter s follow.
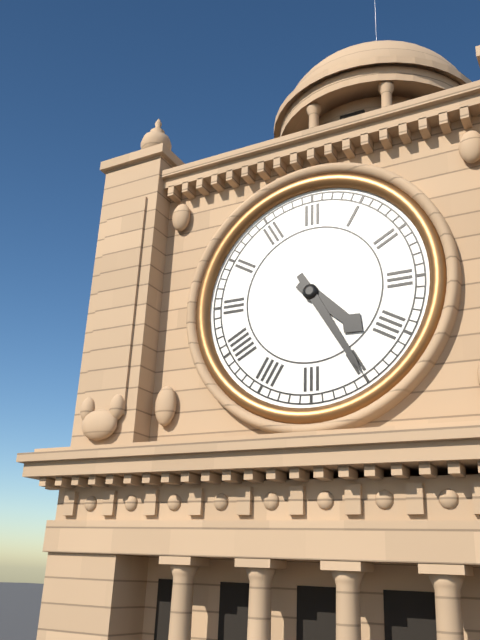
4h25
